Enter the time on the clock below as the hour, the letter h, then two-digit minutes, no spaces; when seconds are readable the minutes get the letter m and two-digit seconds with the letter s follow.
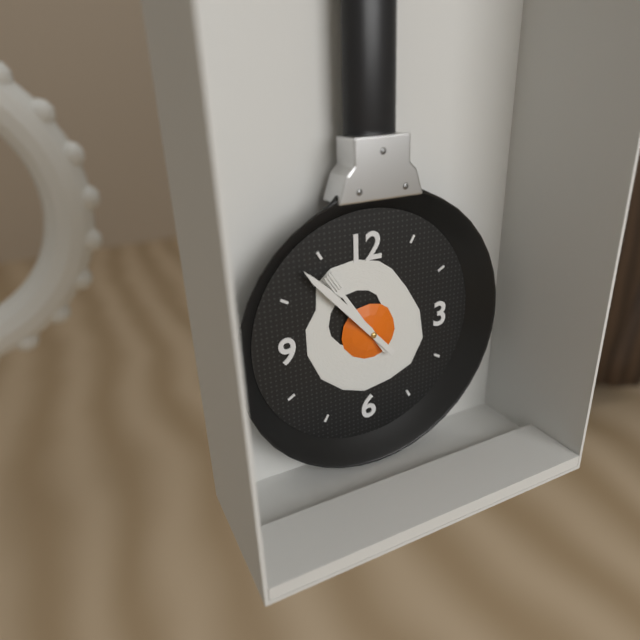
10h53
